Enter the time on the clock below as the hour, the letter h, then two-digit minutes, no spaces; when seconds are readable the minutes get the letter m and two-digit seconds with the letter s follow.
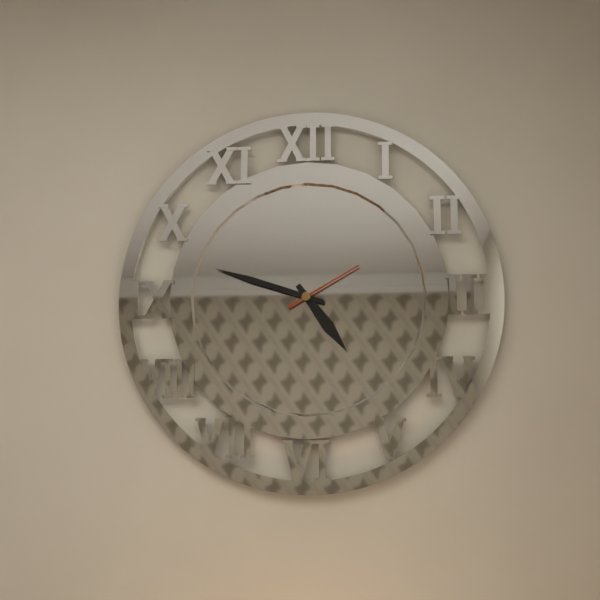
4h48m10s
